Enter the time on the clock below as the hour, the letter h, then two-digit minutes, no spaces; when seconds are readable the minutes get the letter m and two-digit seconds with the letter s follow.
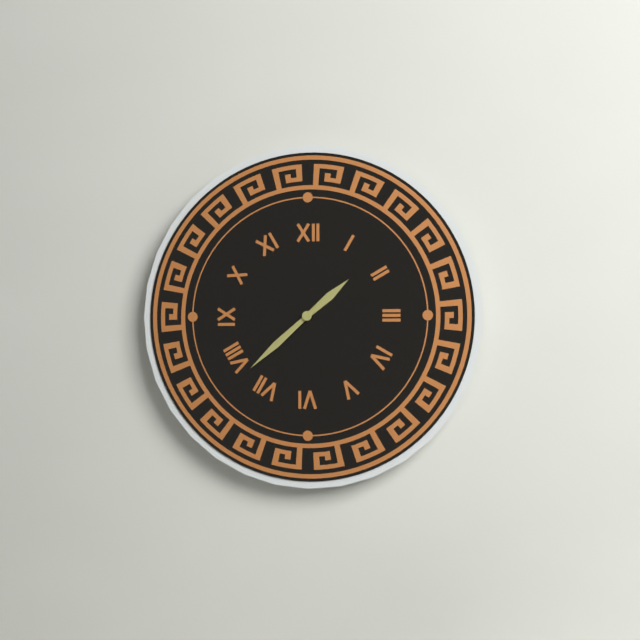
1h38
